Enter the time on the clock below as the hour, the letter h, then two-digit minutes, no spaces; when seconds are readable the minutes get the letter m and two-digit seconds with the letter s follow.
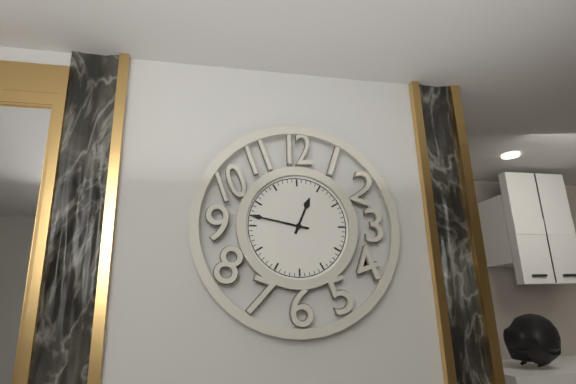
12h47
